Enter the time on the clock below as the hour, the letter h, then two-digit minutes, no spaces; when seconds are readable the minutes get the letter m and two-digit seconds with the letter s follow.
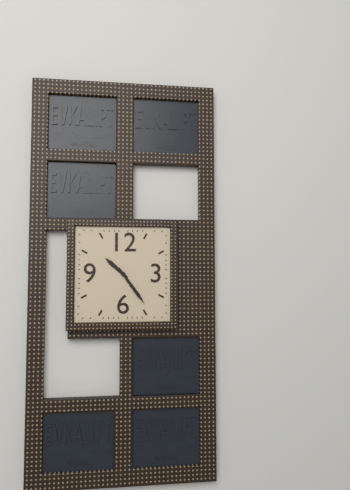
10h24
